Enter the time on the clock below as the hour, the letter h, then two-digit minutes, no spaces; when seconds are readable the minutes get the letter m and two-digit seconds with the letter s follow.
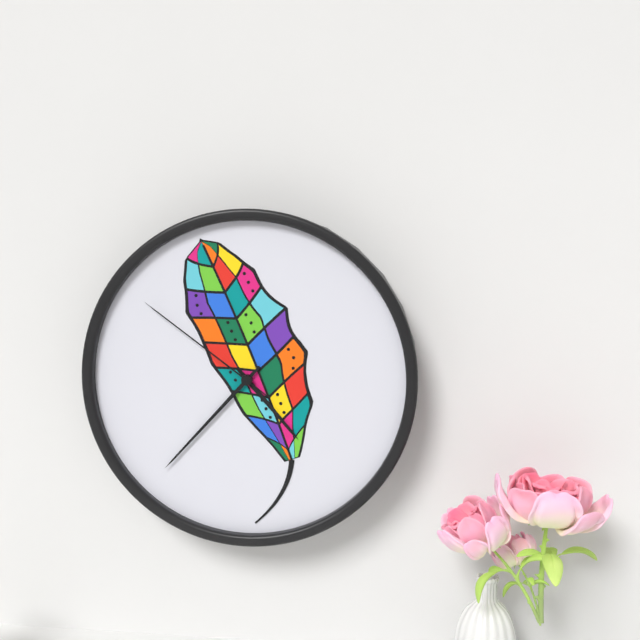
4h37m51s
